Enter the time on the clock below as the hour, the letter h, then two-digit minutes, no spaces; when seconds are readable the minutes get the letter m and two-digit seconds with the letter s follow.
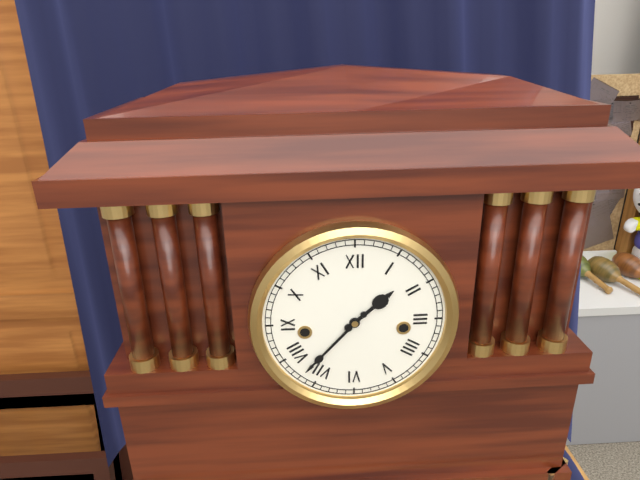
1h37
